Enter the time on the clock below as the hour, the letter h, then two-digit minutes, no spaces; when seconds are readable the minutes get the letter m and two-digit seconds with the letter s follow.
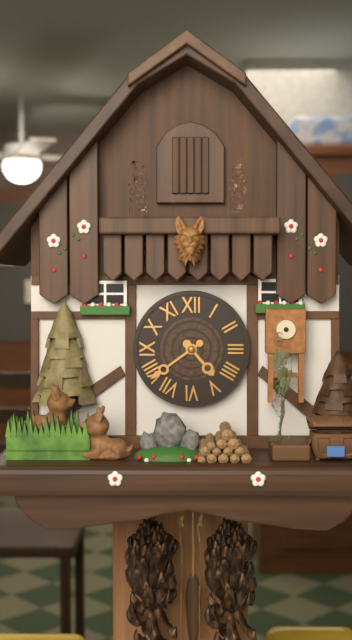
4h39
